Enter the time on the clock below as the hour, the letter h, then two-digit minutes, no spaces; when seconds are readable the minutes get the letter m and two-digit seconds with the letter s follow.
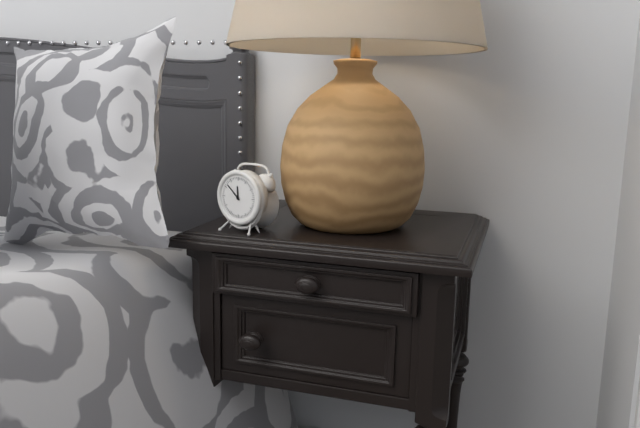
11h52
